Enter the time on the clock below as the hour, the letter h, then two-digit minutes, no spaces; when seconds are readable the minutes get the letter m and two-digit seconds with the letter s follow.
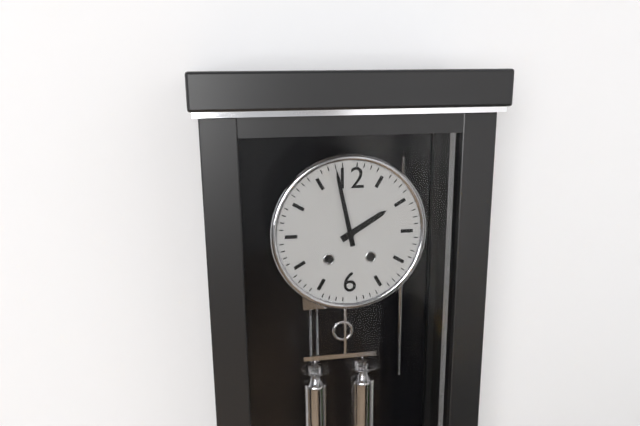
1h58
